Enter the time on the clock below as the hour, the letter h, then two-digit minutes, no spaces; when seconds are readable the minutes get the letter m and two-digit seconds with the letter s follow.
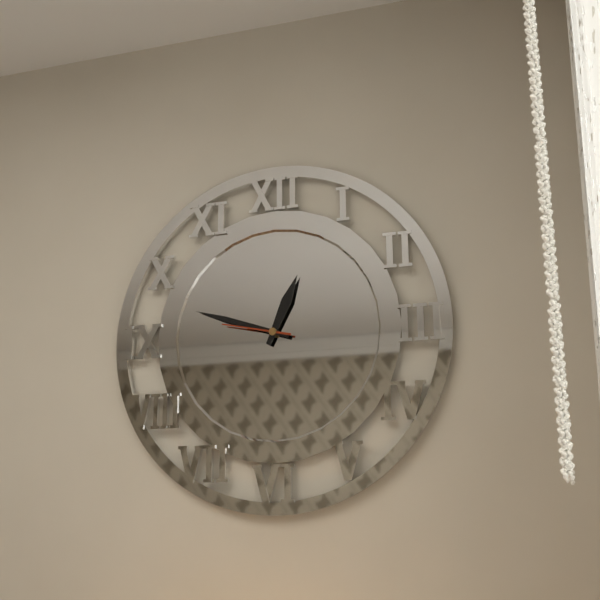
12h48m47s
